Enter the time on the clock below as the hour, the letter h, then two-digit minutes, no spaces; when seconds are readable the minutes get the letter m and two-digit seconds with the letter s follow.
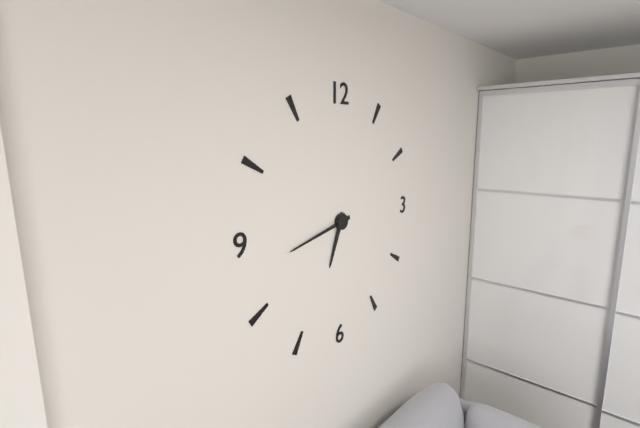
6h43
